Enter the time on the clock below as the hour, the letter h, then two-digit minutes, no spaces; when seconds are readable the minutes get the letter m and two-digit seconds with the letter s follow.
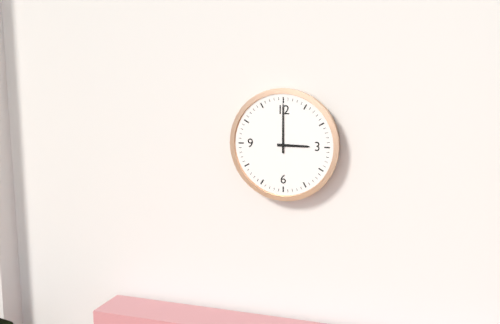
3h00
